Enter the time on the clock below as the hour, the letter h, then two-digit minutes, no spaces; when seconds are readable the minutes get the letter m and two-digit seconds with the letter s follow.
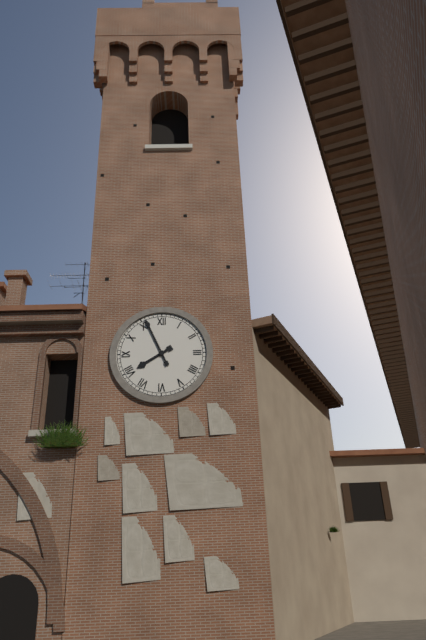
7h56
